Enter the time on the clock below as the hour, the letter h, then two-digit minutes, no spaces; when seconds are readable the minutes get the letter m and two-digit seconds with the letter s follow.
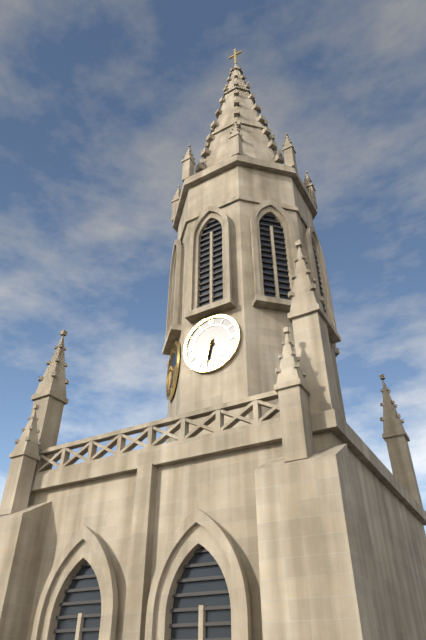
6h32
